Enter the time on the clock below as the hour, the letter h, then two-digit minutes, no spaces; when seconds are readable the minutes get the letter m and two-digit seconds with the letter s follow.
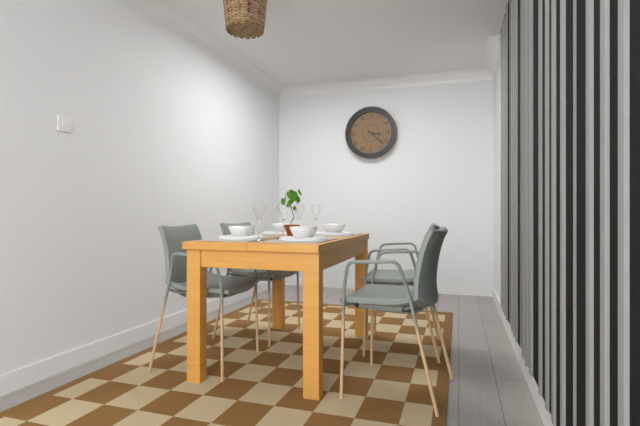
3h22
